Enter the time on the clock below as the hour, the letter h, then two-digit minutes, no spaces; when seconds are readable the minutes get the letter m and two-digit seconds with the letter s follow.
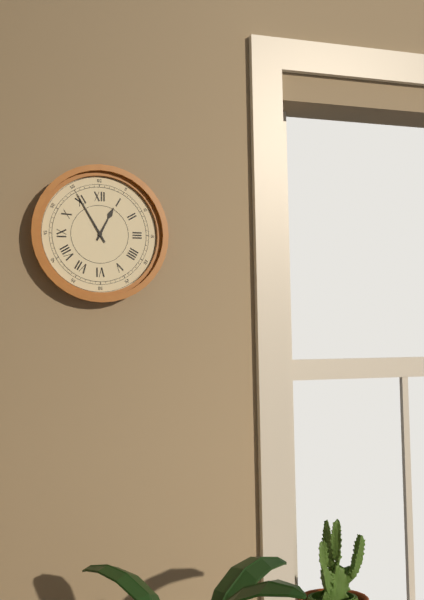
12h55
